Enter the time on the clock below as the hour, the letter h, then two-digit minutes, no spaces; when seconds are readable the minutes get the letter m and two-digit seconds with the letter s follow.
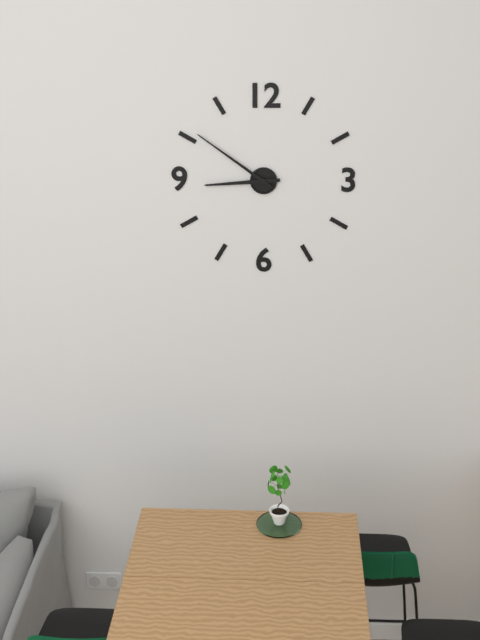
8h51
